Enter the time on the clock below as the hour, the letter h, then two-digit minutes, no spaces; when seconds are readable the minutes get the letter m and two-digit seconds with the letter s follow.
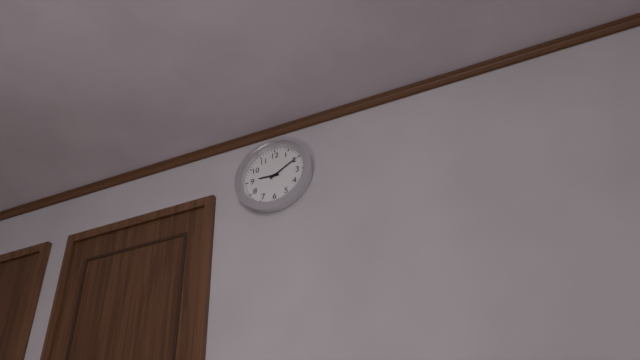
9h10
